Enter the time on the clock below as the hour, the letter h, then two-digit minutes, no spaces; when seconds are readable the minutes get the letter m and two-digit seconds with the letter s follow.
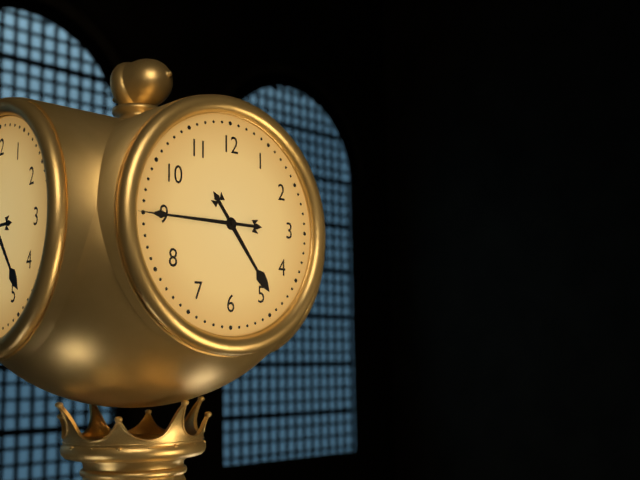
4h45
